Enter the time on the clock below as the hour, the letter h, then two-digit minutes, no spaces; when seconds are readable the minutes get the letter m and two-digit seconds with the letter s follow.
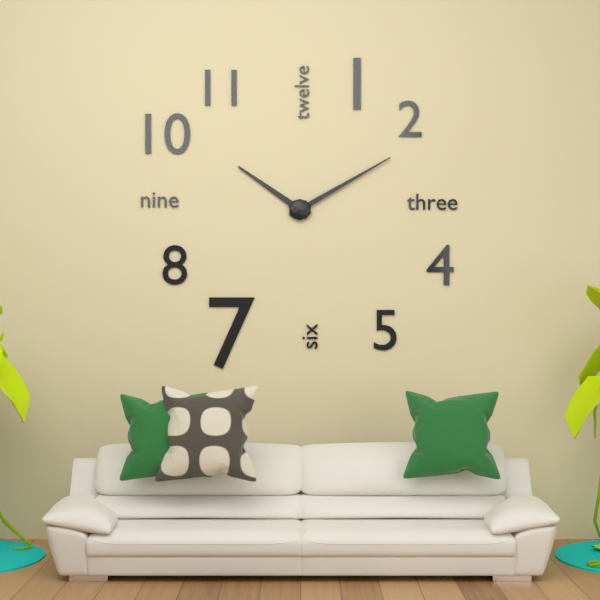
10h10
